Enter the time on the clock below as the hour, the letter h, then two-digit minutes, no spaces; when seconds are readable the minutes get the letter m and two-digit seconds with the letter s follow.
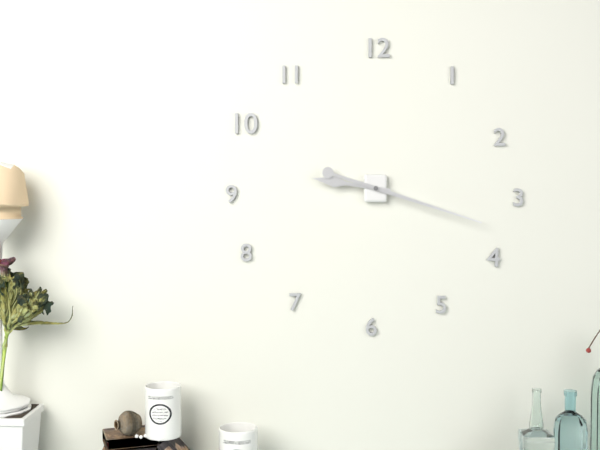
9h18
